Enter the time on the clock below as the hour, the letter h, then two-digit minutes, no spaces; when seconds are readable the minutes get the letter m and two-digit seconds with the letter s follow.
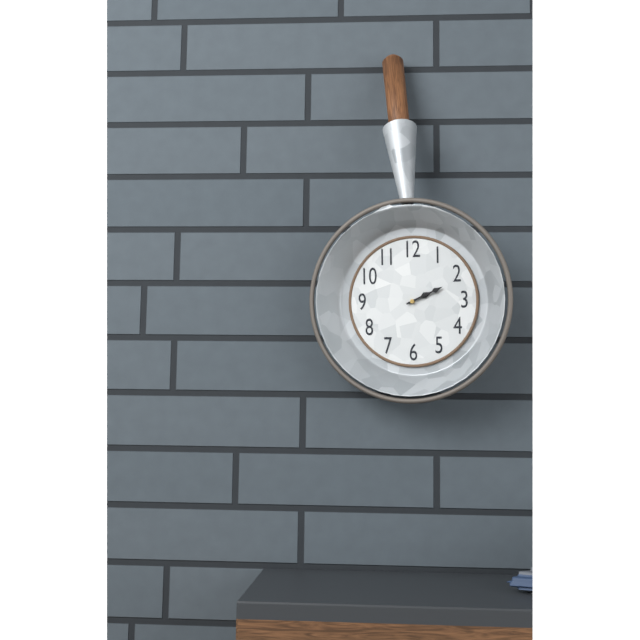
2h11
